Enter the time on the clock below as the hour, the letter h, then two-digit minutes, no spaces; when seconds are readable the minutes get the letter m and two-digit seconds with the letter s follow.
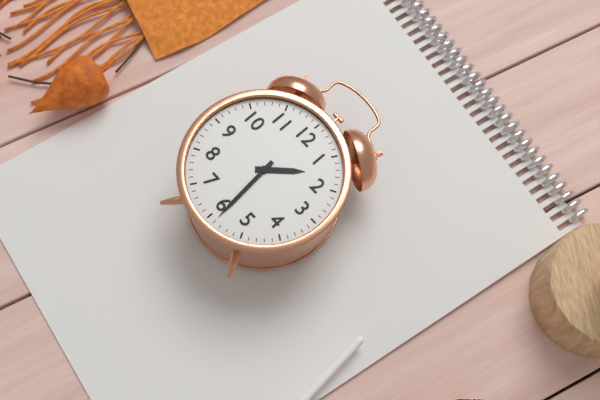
1h29
